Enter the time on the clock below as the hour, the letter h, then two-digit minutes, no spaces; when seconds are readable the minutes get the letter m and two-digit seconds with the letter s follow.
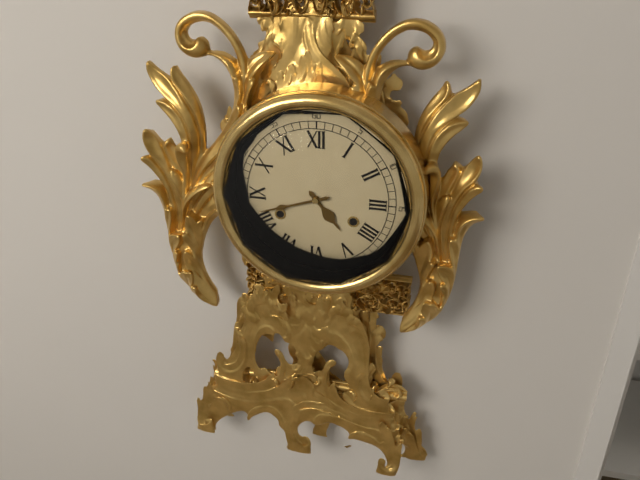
4h42
